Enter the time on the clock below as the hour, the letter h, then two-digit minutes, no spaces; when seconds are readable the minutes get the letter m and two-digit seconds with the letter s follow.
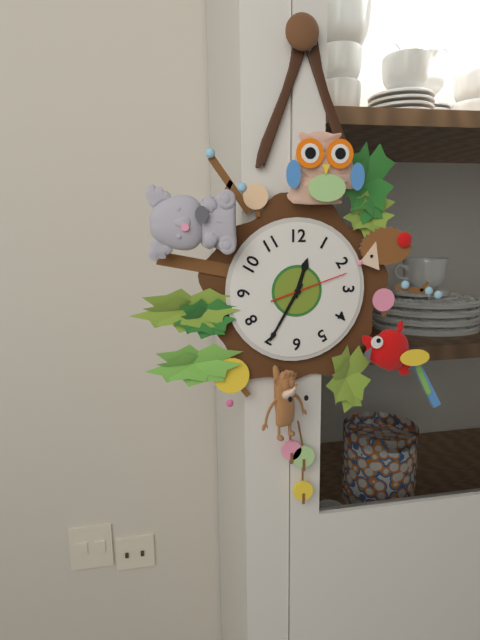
12h35m12s
